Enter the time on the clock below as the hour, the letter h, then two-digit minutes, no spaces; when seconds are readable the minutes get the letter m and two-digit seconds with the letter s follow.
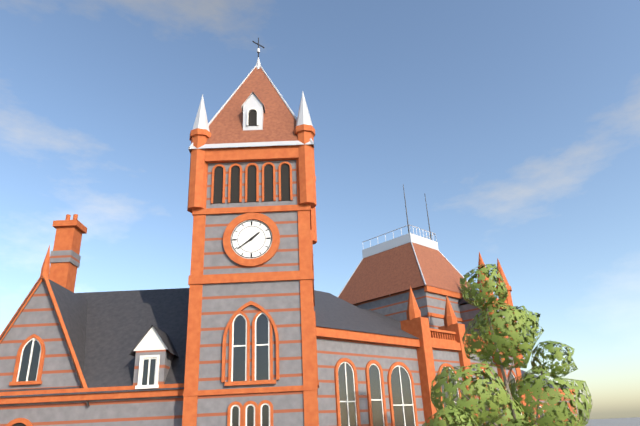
1h39
